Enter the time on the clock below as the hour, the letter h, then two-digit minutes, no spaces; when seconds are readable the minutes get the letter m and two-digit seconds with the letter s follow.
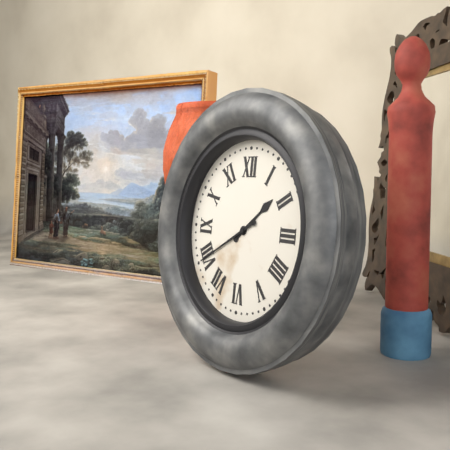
1h40
